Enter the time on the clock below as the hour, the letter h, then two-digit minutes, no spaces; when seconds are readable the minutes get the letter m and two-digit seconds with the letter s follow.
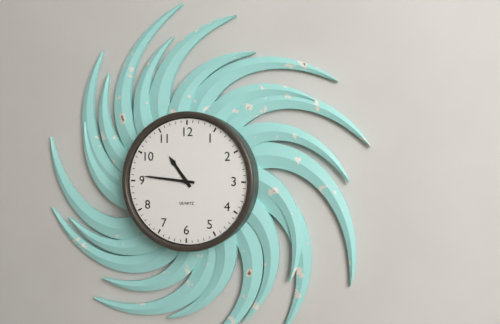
10h46
